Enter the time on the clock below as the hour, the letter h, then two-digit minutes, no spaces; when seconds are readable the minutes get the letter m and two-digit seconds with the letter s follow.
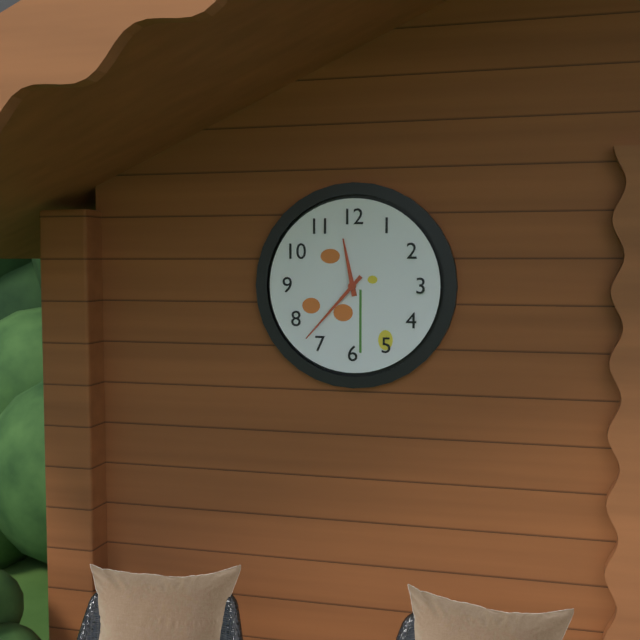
11h37
